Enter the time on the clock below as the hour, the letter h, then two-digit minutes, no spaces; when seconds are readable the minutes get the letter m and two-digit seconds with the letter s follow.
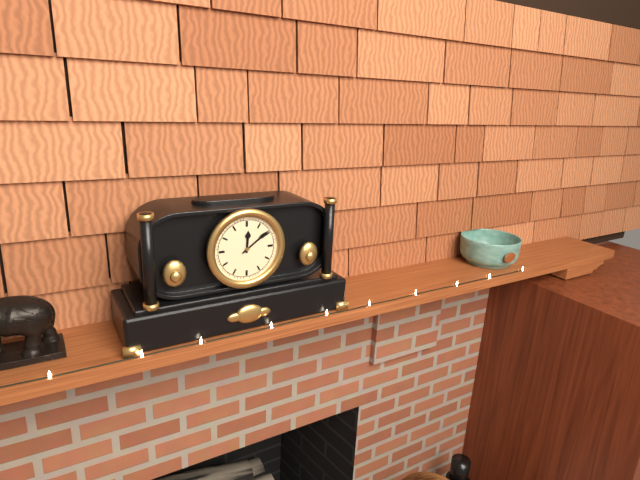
12h09
